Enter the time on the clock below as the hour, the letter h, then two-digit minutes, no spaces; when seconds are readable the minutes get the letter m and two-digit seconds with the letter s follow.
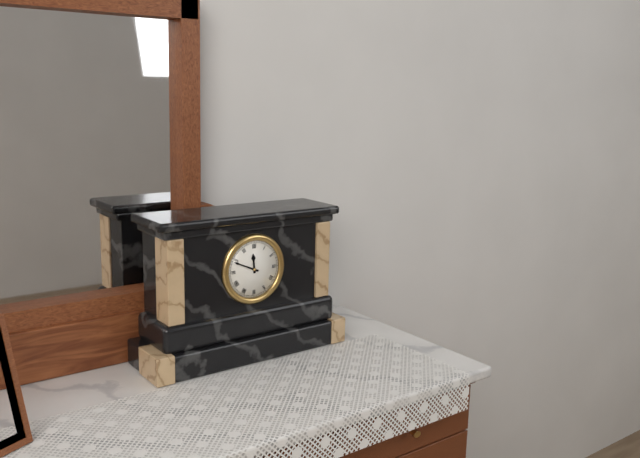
11h49
